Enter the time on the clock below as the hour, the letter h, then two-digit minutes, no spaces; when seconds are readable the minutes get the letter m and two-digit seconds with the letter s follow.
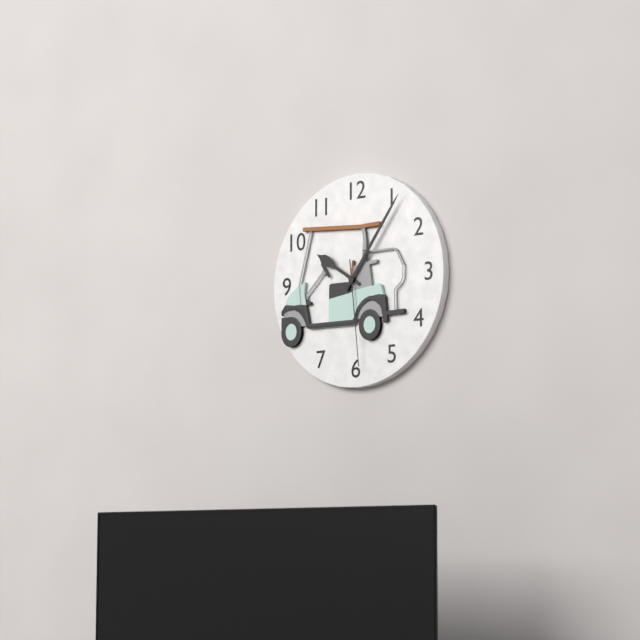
10h06m29s
